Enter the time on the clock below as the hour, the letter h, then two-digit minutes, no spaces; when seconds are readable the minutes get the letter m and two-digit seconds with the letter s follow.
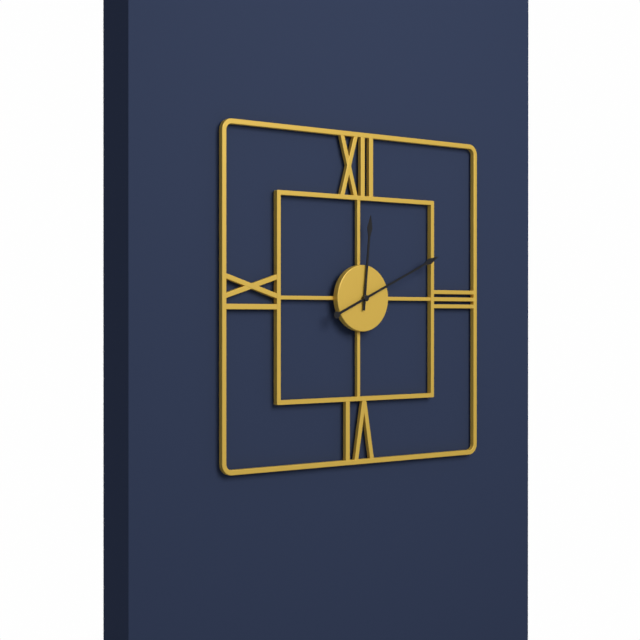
12h11
